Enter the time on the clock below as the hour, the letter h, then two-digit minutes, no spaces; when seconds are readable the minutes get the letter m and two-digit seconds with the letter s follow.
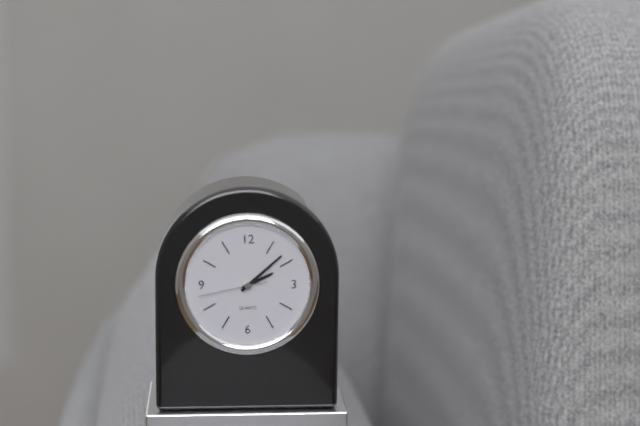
2h08m43s
